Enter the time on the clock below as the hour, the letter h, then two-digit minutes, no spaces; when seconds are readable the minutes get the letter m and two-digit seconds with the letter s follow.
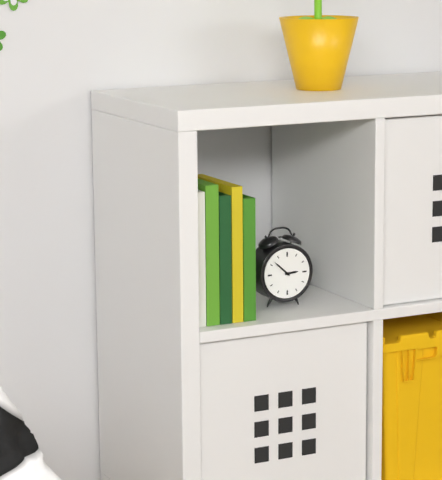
2h52
